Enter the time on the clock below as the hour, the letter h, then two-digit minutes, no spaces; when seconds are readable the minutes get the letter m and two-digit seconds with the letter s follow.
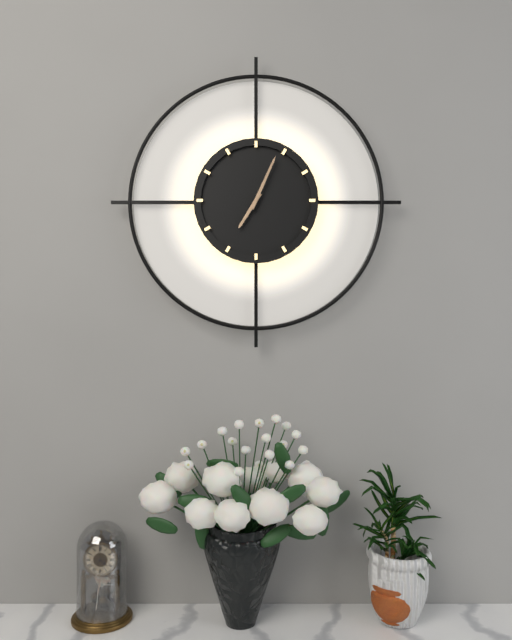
7h04
